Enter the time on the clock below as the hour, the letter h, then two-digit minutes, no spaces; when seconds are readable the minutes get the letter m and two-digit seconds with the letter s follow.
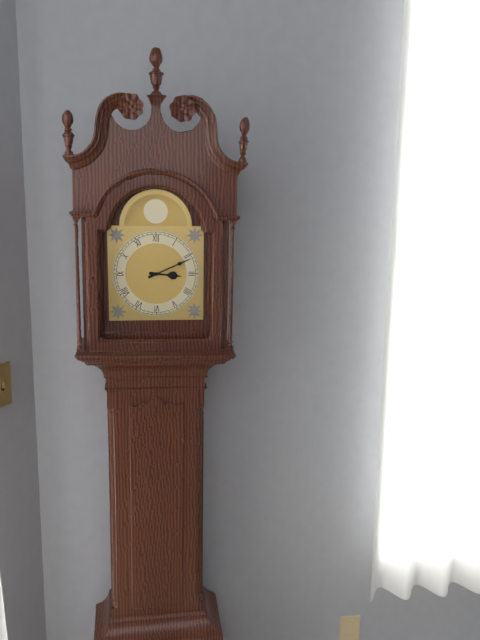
3h11
